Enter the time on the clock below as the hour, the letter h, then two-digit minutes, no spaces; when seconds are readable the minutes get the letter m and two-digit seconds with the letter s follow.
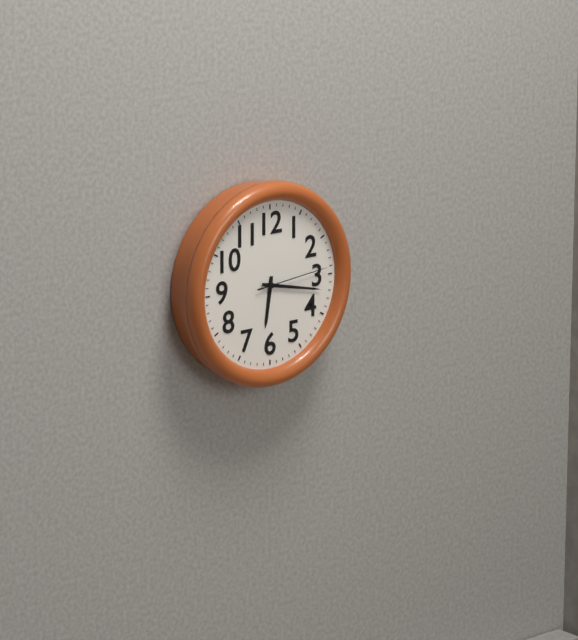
6h17m14s
